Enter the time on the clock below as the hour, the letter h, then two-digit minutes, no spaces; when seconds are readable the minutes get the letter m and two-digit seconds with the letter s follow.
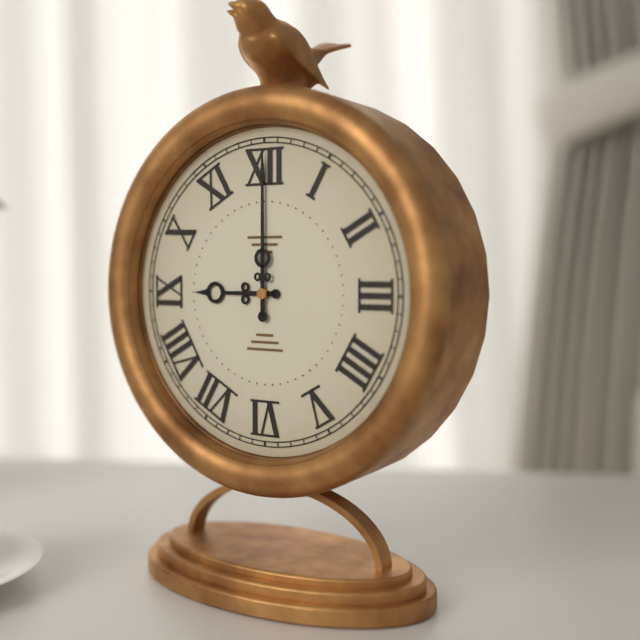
9h00
